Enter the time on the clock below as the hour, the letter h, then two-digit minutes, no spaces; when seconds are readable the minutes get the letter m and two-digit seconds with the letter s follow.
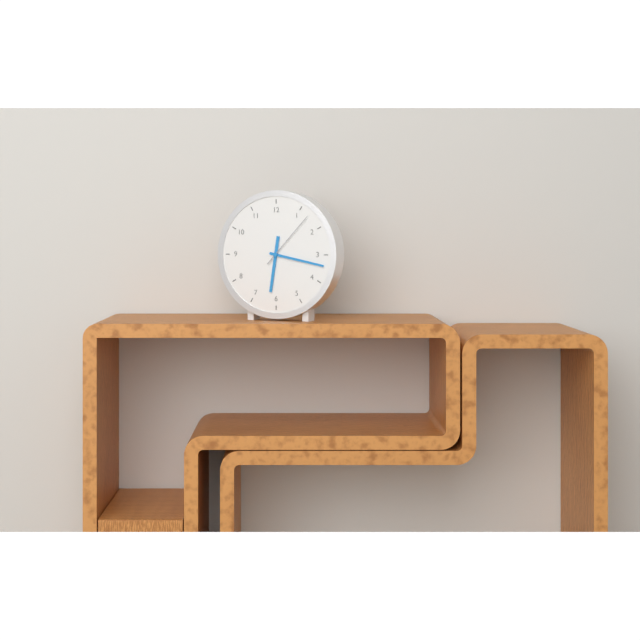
6h17m07s
